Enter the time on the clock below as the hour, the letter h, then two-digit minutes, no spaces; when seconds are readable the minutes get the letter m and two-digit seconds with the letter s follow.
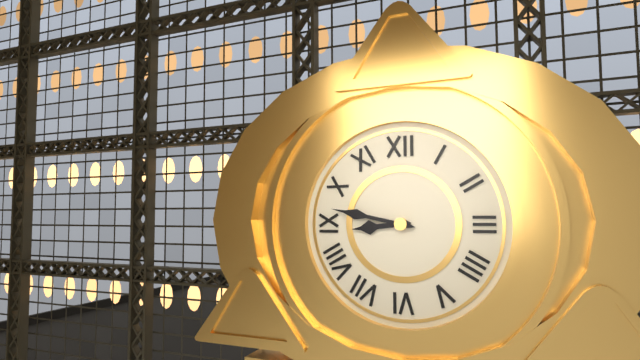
8h47
